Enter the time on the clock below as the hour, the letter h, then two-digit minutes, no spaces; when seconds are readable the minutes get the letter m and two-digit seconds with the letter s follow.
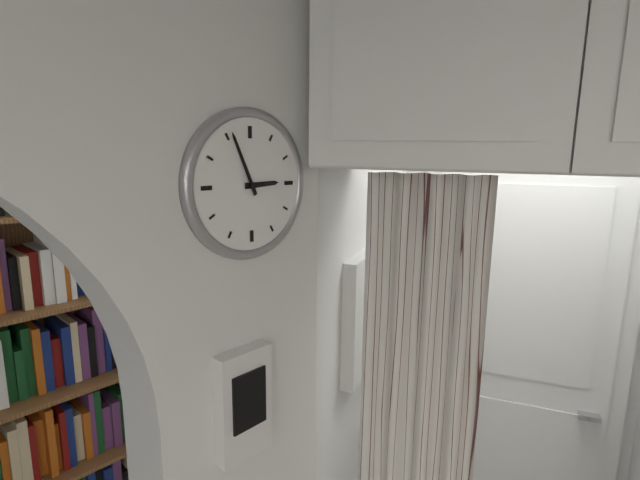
2h56
